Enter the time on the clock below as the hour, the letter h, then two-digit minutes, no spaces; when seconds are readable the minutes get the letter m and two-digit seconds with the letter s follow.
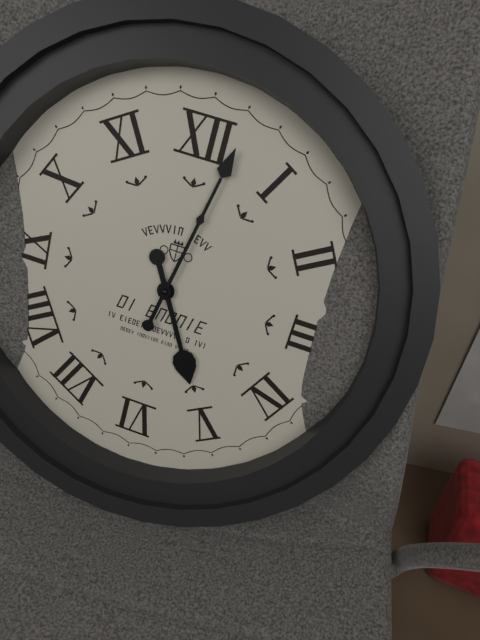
5h02
